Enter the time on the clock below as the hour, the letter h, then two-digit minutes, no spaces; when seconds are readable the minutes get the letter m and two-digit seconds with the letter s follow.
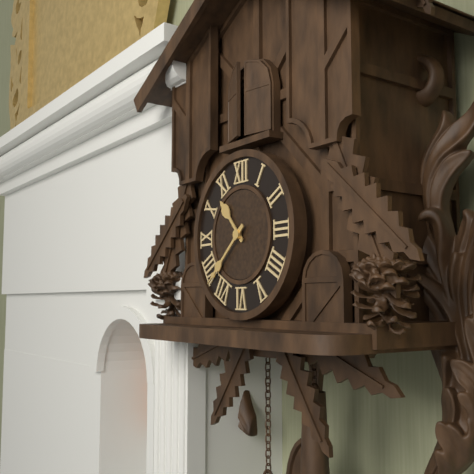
10h38
